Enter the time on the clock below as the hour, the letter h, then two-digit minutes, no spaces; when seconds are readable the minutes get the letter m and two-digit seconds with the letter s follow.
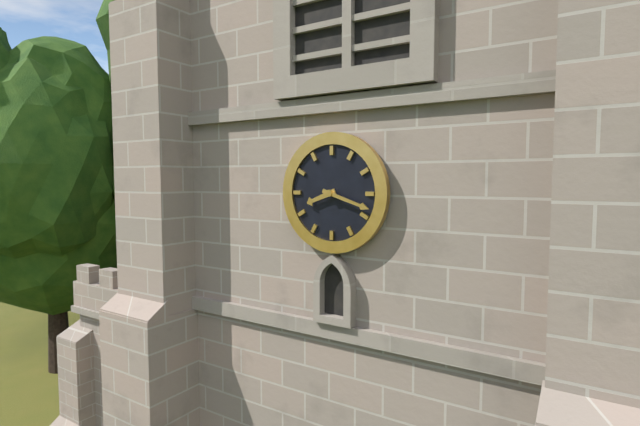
8h18
